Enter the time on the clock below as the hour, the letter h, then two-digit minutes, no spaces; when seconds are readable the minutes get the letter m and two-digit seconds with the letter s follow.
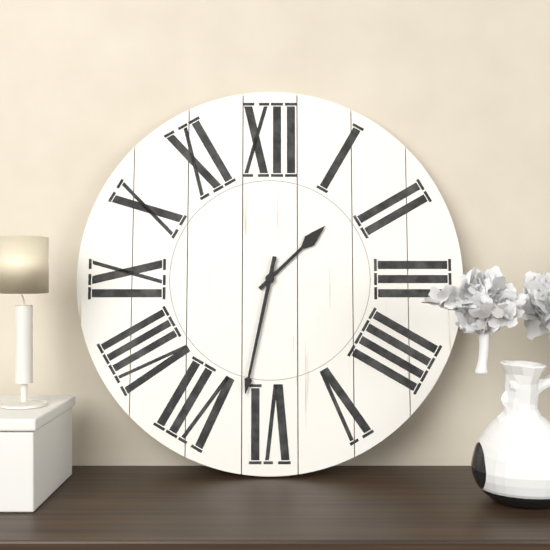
1h32
